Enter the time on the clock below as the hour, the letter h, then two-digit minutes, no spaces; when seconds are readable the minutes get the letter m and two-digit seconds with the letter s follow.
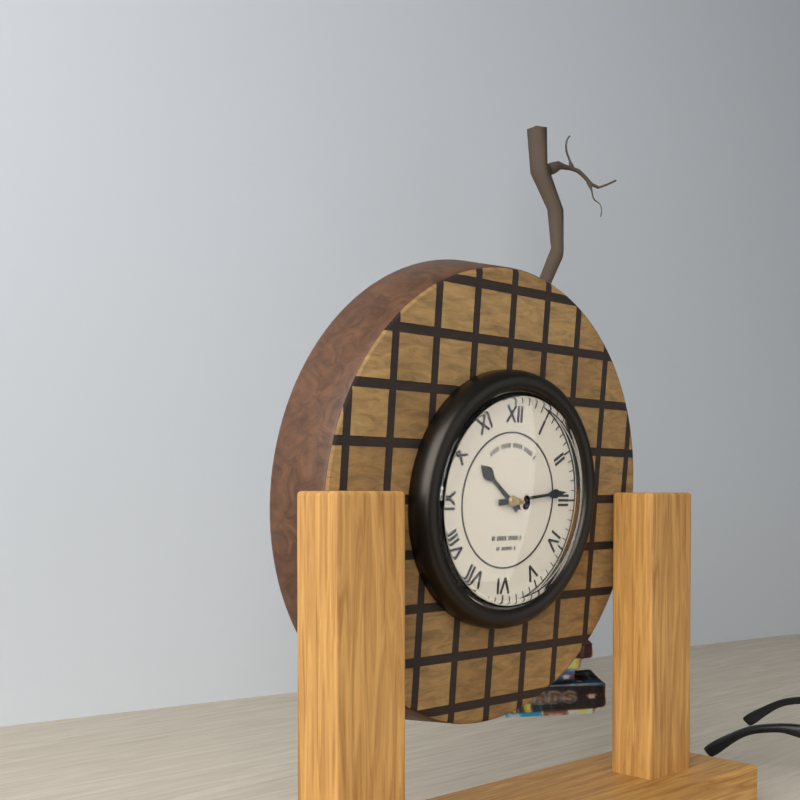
10h14
